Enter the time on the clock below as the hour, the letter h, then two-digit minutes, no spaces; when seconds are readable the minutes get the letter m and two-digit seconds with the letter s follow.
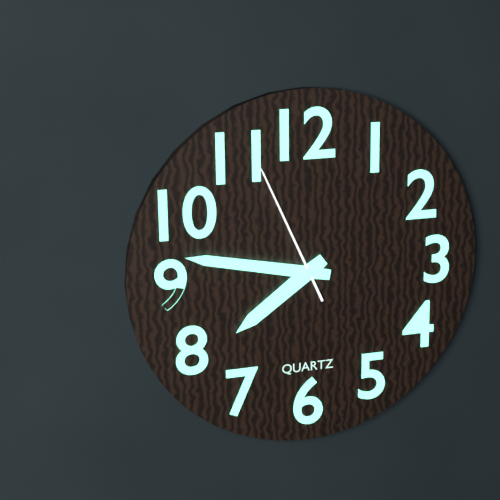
7h47m56s
